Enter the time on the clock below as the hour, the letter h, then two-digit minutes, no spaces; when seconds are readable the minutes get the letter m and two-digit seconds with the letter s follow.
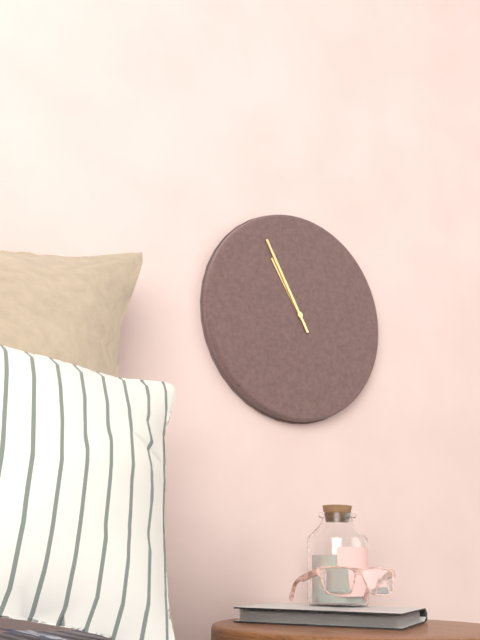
10h55
